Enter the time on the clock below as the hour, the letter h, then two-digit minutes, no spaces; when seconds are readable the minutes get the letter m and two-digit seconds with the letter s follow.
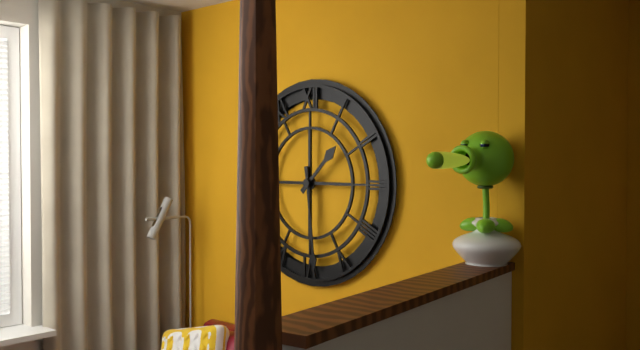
1h29
